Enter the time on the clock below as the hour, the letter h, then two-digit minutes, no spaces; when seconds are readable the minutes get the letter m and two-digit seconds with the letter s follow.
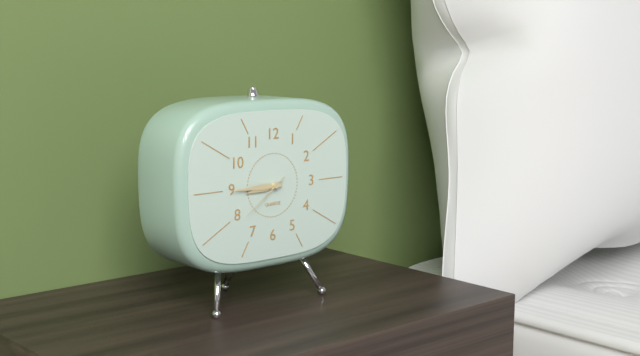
8h45m39s
